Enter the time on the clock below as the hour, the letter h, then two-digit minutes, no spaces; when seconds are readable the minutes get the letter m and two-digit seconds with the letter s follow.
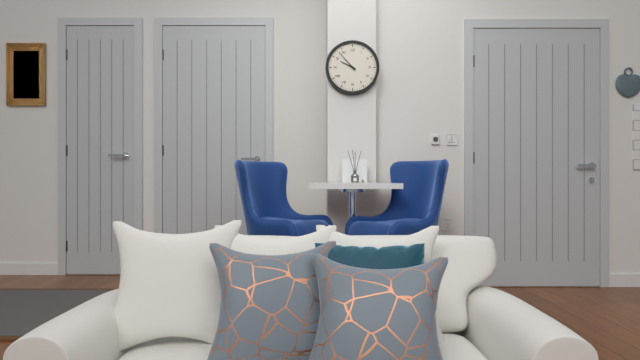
9h53
